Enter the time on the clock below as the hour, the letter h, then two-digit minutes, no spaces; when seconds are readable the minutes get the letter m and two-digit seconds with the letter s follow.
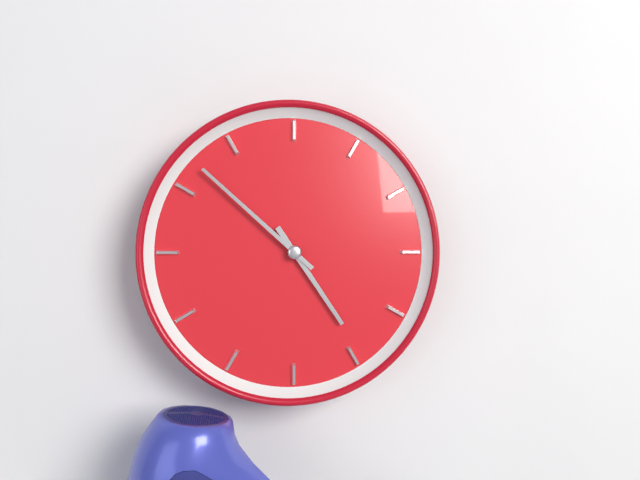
4h52
